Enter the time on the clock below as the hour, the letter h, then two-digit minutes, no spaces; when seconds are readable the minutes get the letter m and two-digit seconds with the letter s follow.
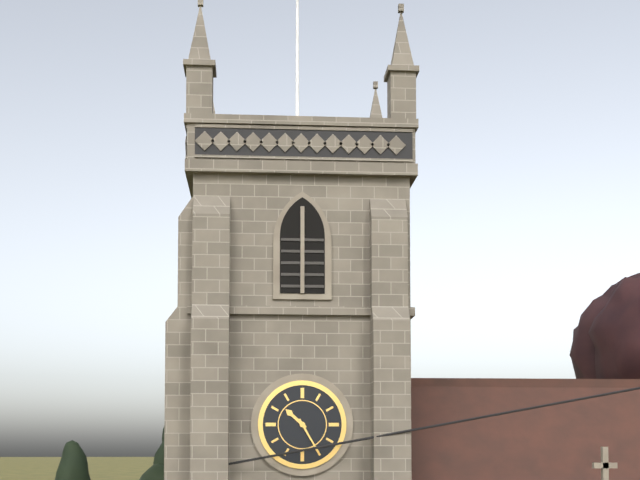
10h25
